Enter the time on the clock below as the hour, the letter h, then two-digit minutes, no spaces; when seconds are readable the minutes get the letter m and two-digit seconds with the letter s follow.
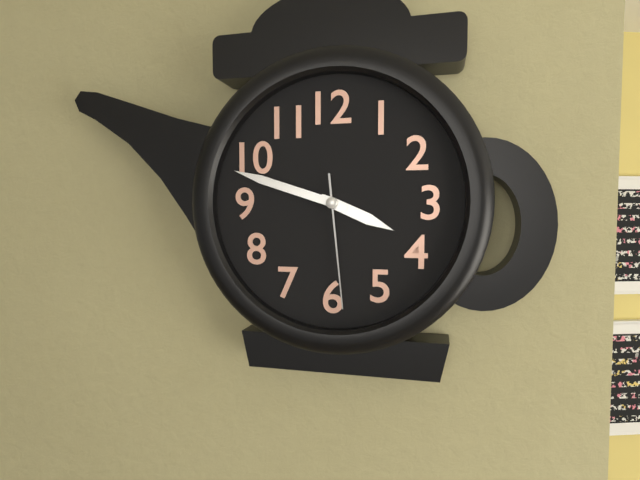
3h48m29s
